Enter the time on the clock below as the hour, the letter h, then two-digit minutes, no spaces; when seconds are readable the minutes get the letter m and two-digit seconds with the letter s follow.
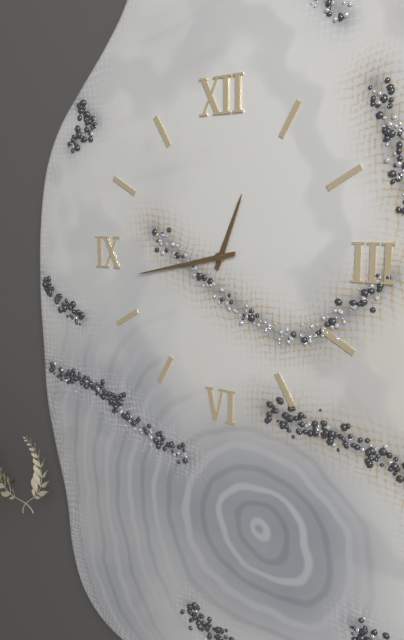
12h43
